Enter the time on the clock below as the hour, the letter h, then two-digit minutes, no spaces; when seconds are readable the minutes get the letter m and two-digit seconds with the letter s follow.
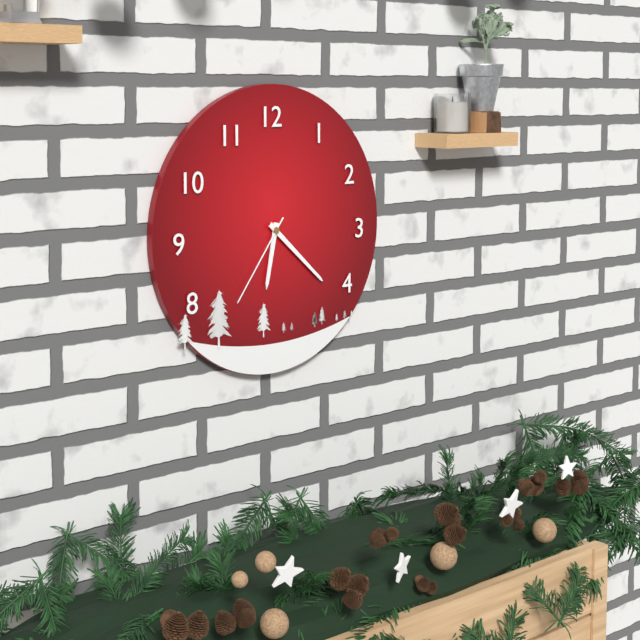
6h22m36s
